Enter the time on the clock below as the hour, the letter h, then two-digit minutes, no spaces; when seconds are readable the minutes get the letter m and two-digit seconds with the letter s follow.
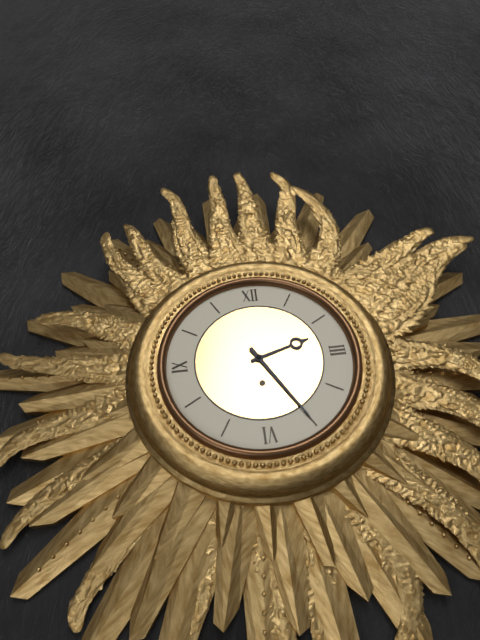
2h25
